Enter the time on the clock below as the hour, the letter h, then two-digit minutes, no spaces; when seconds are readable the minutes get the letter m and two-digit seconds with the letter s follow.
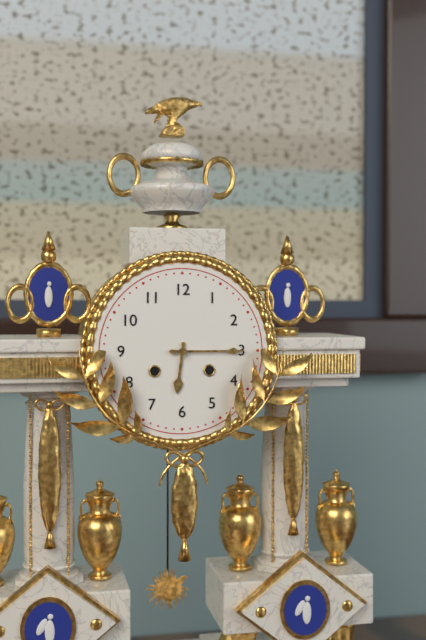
6h15
